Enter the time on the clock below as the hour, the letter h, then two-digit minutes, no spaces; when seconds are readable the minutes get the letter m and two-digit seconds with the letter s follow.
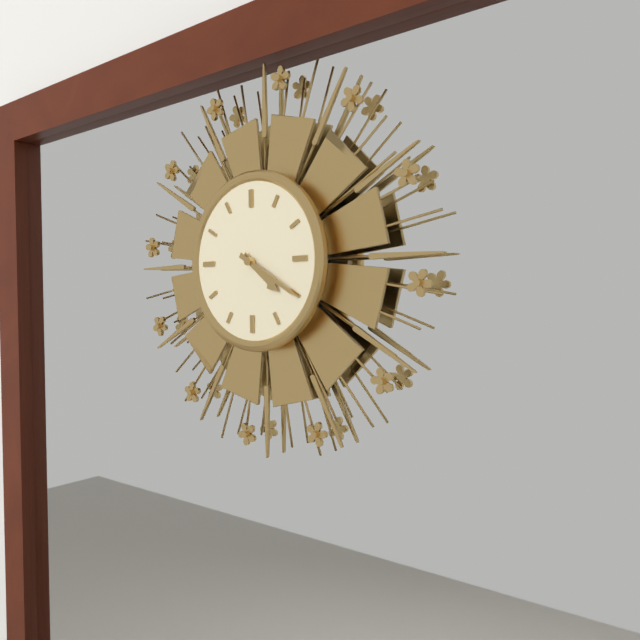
4h20
